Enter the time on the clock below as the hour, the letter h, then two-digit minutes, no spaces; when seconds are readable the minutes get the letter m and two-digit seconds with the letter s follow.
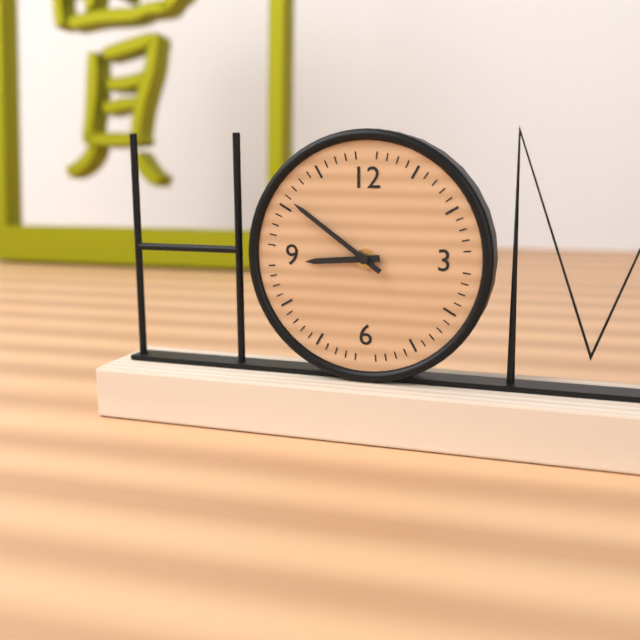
8h51
